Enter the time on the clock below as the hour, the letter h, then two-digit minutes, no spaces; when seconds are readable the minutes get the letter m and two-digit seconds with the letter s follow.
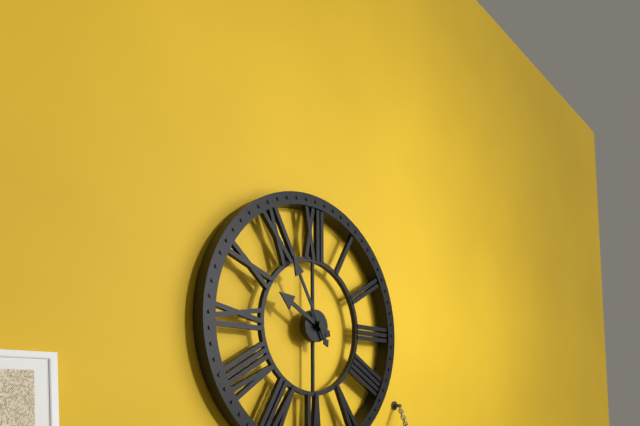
9h55
